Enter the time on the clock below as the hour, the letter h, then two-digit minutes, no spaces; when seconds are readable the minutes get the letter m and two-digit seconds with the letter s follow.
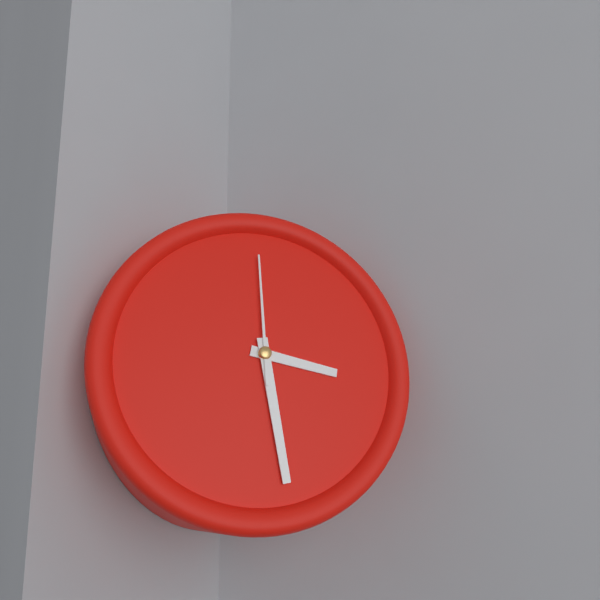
3h29m00s
